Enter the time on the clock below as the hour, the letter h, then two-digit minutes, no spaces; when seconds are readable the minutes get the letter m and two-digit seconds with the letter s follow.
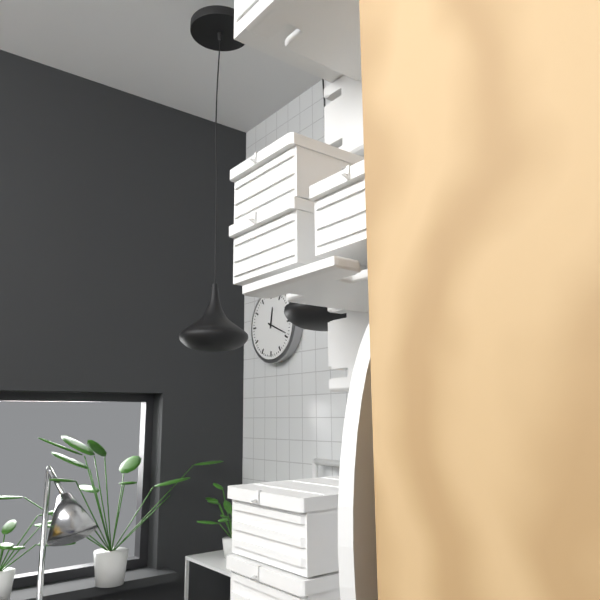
12h19
